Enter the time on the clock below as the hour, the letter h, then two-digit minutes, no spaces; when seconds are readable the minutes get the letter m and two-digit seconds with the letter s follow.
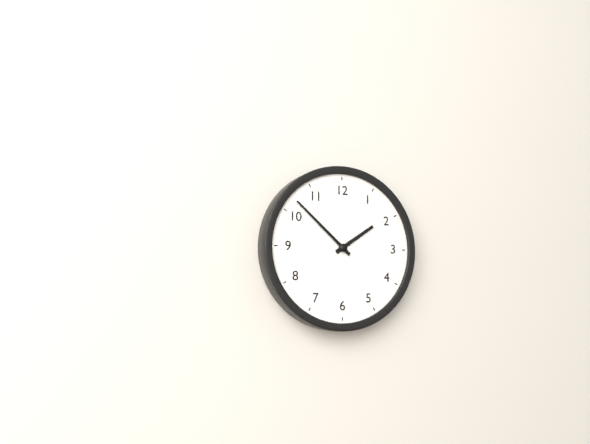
1h52
